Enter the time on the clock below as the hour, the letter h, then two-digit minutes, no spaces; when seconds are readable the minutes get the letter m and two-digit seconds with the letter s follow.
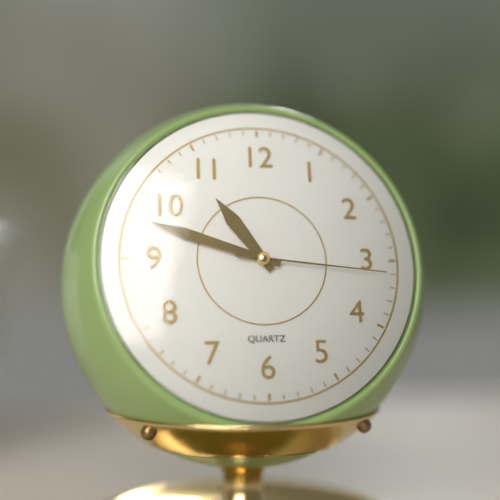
10h48m16s
